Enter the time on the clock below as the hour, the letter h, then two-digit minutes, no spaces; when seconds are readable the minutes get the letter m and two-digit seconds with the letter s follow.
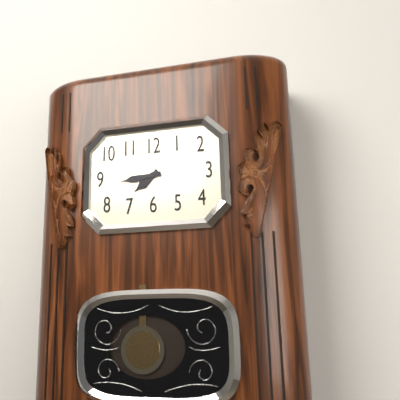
7h44
